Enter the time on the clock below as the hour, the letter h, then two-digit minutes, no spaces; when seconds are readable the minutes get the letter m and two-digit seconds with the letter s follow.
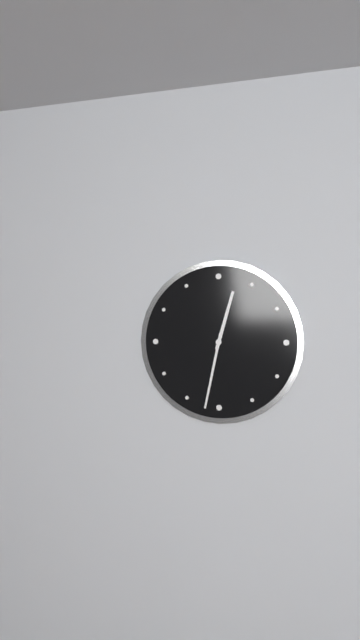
12h32
